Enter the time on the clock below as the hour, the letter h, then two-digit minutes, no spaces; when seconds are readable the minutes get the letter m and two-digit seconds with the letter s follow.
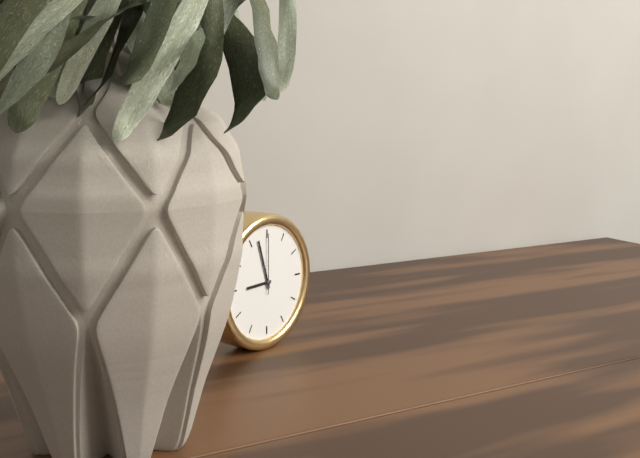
8h57m00s
